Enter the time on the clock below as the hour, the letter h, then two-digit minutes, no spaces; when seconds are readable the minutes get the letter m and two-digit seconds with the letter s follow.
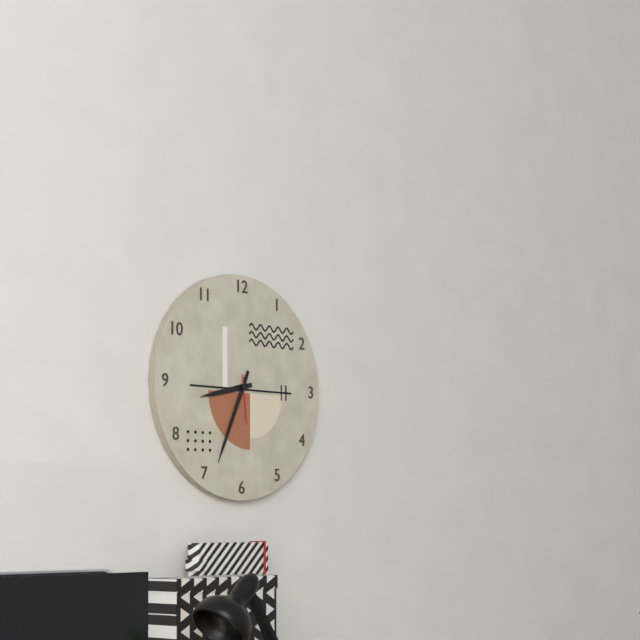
8h34
